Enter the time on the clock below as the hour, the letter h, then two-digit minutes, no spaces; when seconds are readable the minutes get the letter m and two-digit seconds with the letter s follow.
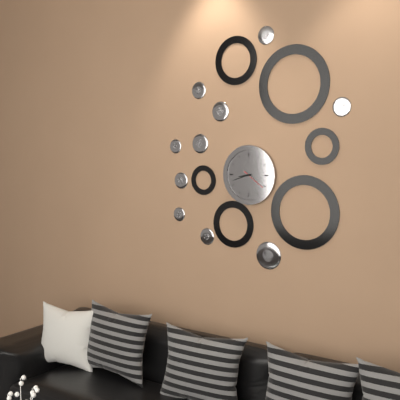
8h42
